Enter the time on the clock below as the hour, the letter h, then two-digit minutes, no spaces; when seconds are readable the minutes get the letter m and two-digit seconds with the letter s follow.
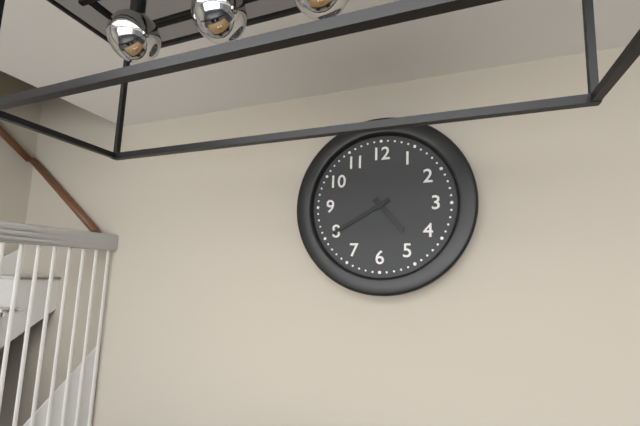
4h40
